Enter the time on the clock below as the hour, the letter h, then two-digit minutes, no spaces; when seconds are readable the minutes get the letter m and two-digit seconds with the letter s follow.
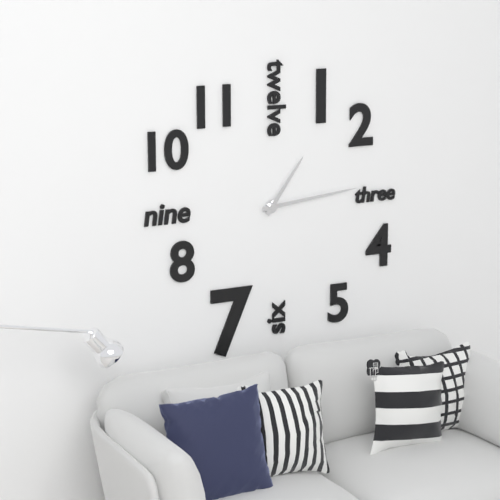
1h14
